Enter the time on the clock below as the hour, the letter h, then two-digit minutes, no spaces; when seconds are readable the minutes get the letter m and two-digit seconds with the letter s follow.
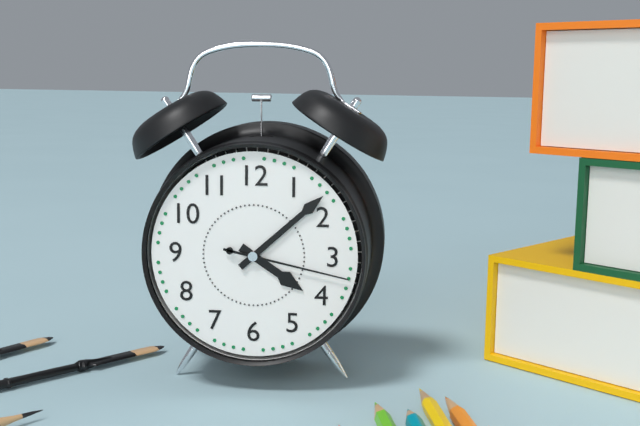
4h08m17s
